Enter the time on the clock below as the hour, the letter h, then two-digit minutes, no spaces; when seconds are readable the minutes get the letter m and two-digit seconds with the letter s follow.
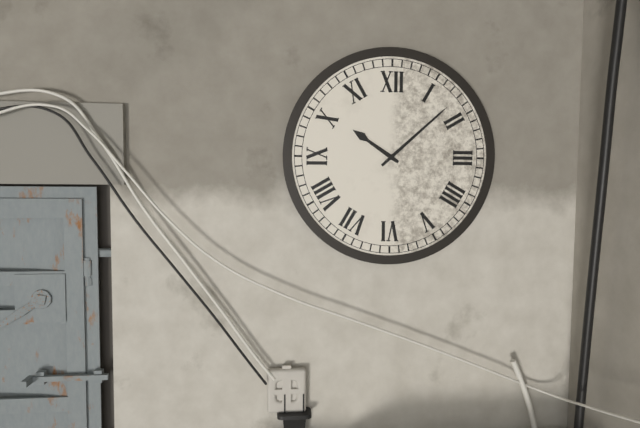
10h08
